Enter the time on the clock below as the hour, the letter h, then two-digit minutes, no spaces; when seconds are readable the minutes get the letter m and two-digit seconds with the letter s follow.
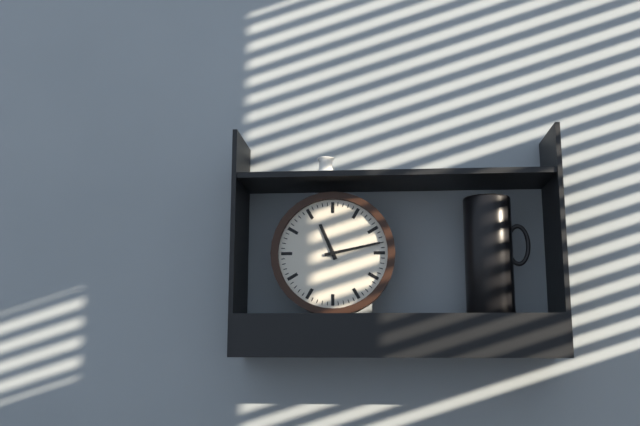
11h13
